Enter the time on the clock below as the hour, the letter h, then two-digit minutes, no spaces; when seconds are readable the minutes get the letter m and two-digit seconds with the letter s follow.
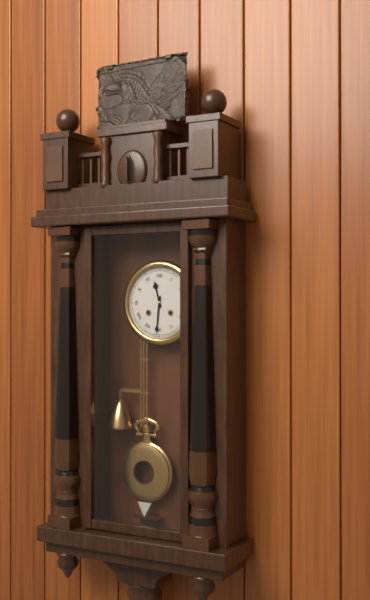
11h31
